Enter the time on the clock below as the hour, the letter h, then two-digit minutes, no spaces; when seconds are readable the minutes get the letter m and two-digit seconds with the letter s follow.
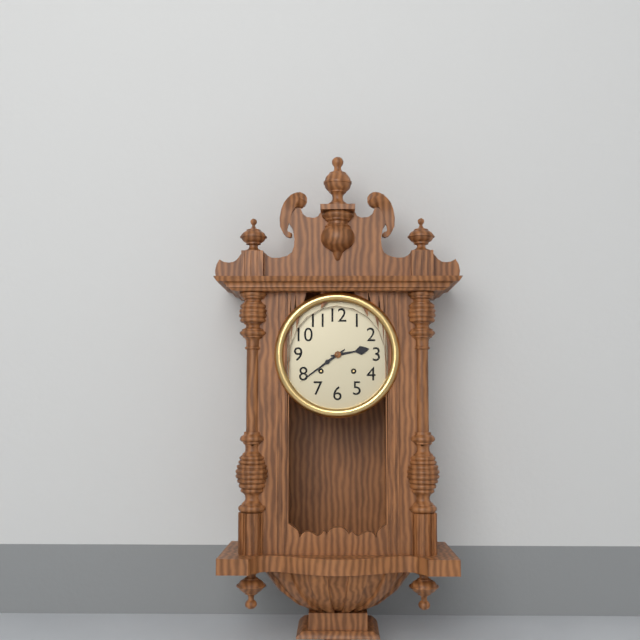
2h39
